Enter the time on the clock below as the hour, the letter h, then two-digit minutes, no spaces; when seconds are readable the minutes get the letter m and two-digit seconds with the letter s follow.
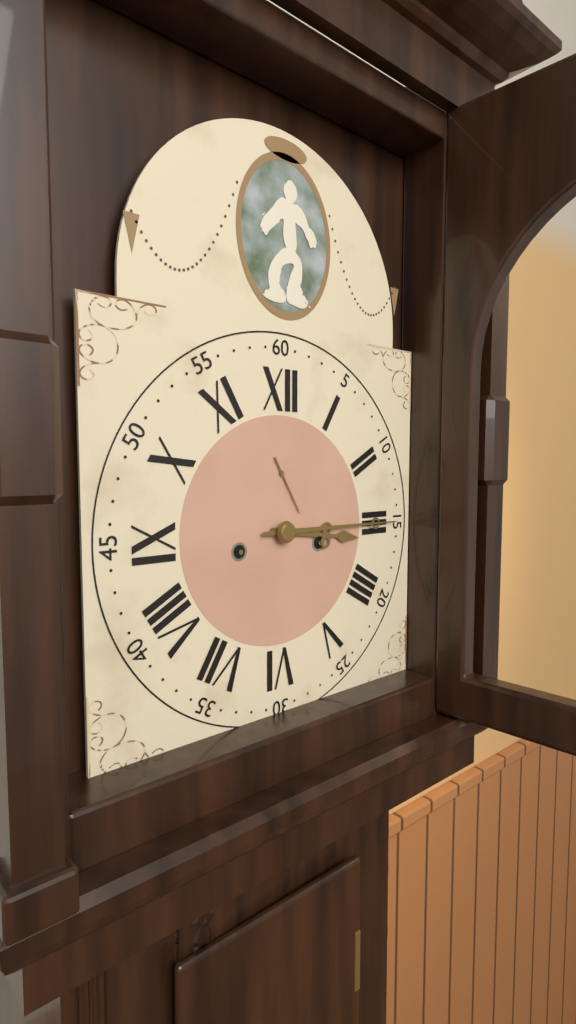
3h15m25s
